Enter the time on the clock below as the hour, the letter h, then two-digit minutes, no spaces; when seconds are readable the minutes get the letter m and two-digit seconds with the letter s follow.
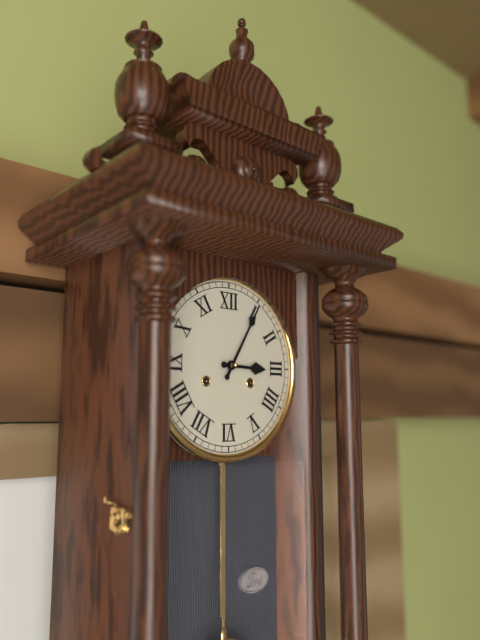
3h05
